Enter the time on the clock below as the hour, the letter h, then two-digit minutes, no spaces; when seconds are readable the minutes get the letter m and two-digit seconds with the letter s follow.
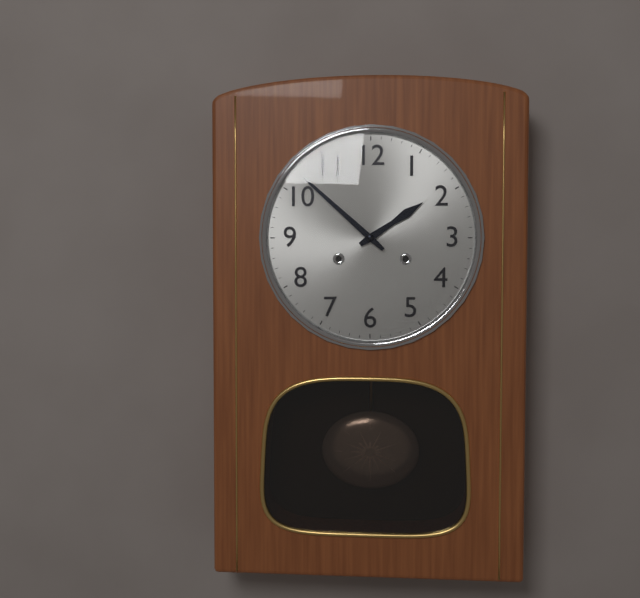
1h52
